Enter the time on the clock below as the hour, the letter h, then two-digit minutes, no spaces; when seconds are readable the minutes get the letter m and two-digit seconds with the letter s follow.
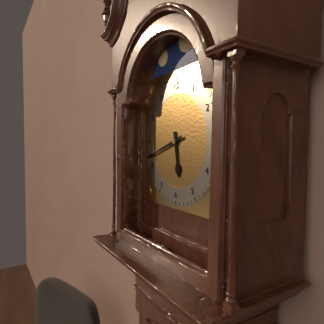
5h42
